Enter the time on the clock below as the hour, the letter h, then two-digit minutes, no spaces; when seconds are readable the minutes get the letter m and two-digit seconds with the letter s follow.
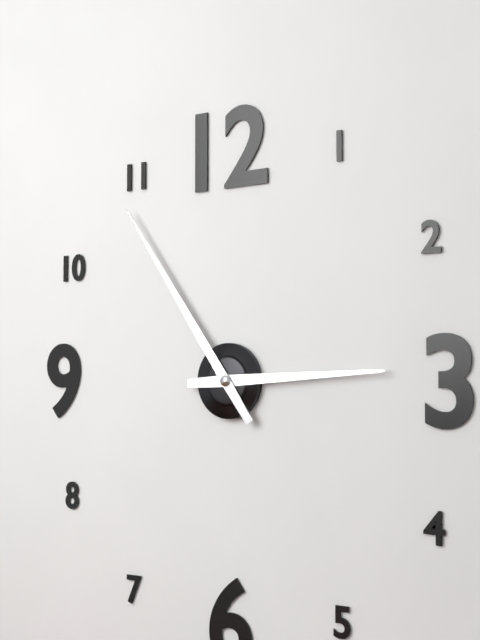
2h54
